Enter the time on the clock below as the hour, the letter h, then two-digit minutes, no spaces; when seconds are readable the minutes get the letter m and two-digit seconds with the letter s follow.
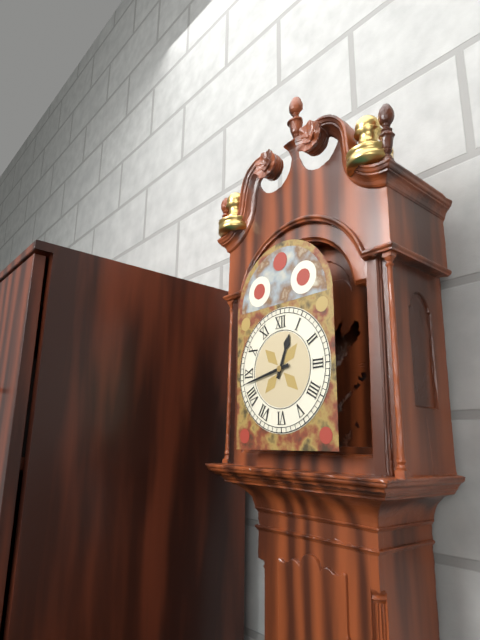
12h43
